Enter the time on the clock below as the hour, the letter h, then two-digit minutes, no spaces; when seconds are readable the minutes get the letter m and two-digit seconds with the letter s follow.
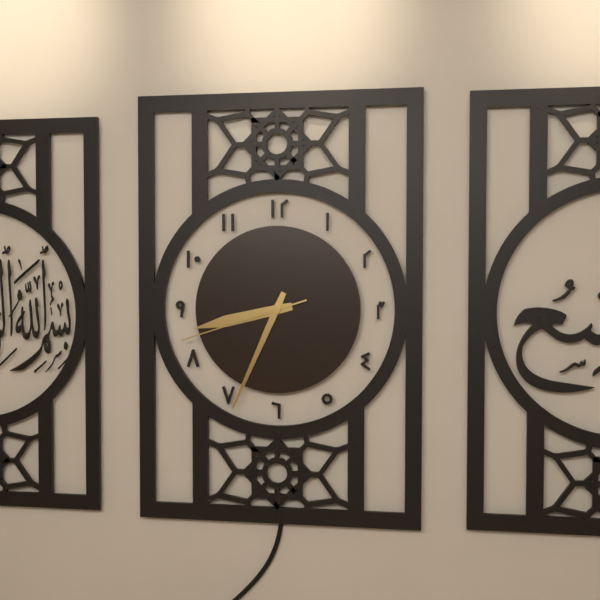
8h34m42s
